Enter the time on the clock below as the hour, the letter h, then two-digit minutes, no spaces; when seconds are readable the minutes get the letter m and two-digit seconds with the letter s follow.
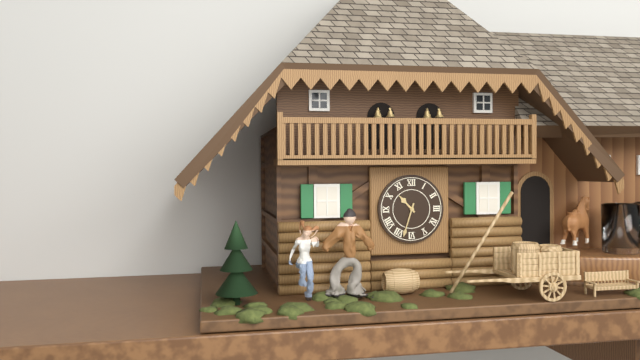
10h33
